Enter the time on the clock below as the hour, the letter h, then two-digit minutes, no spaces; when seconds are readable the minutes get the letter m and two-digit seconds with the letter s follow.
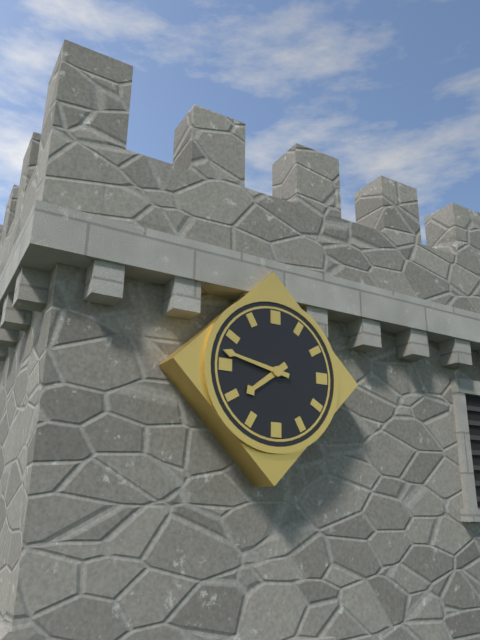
7h47
